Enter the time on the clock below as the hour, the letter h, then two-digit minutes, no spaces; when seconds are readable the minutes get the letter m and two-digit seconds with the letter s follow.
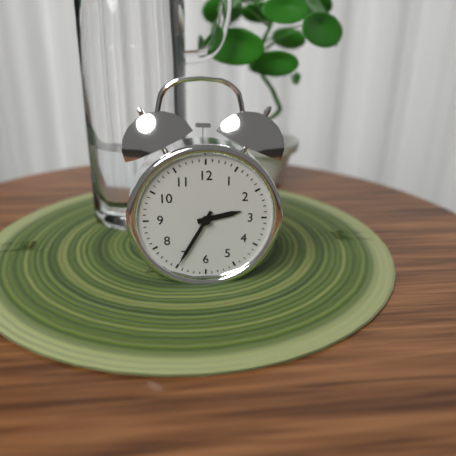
2h35
